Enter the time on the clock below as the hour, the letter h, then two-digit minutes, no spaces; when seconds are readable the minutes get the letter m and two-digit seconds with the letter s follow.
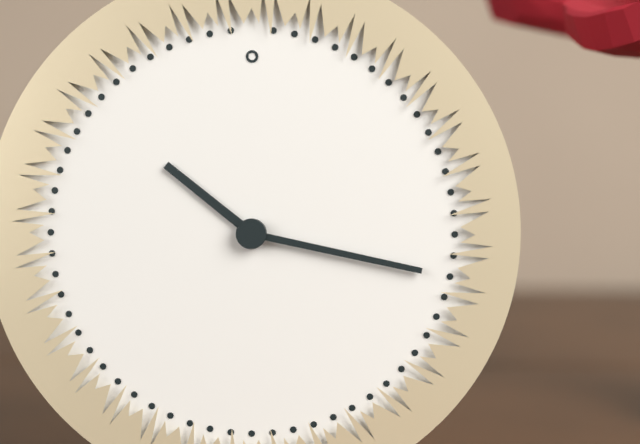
10h17
